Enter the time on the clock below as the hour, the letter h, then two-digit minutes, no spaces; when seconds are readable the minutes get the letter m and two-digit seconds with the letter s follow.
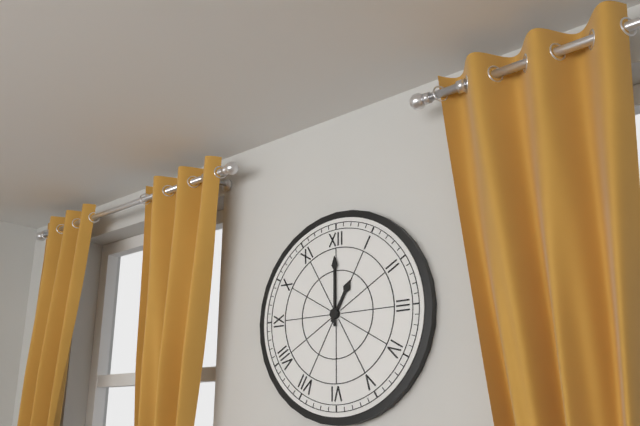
1h00
